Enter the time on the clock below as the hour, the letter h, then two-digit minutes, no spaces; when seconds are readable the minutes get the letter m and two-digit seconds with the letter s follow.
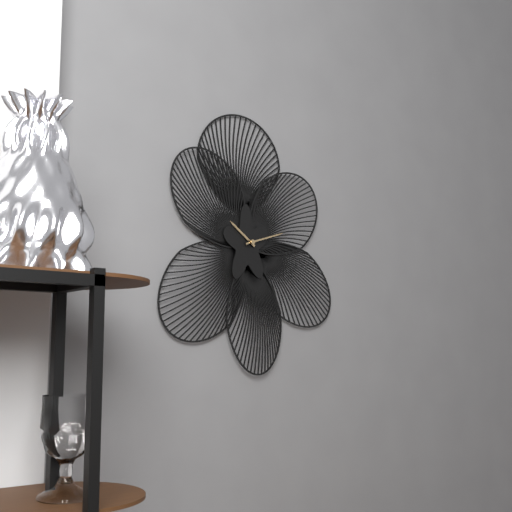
10h12
